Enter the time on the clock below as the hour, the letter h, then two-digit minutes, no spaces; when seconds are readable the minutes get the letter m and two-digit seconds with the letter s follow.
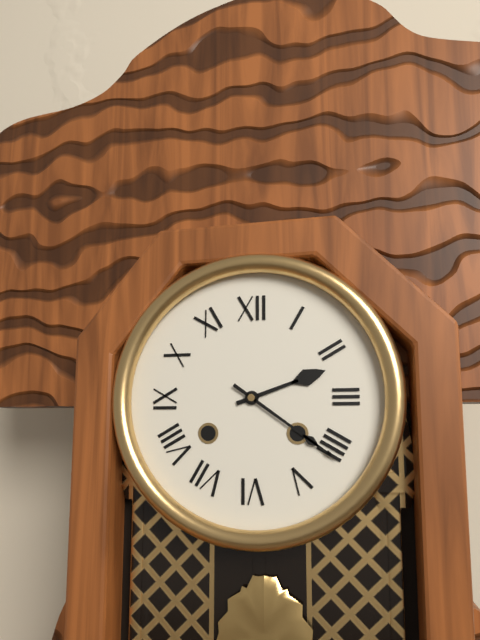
2h21
